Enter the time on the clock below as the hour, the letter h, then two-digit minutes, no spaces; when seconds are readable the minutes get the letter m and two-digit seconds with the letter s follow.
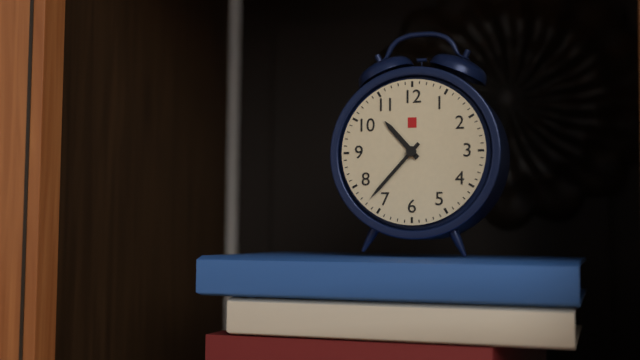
10h37
